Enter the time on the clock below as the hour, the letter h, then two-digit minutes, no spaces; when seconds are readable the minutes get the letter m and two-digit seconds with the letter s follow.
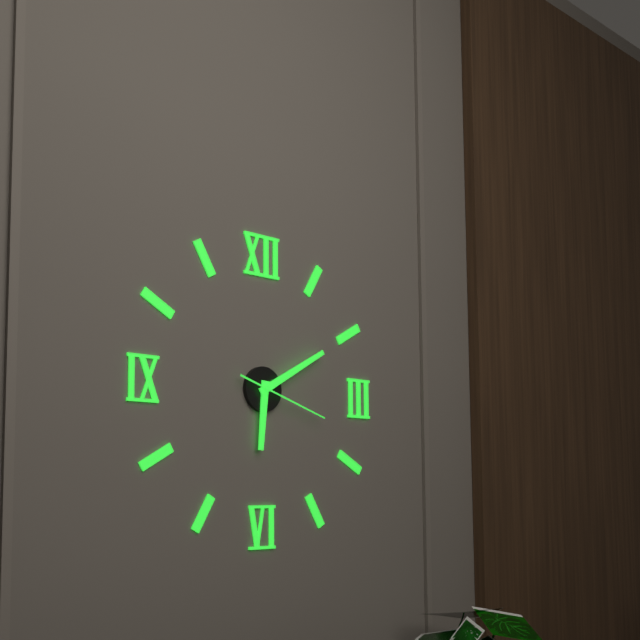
6h10m18s
